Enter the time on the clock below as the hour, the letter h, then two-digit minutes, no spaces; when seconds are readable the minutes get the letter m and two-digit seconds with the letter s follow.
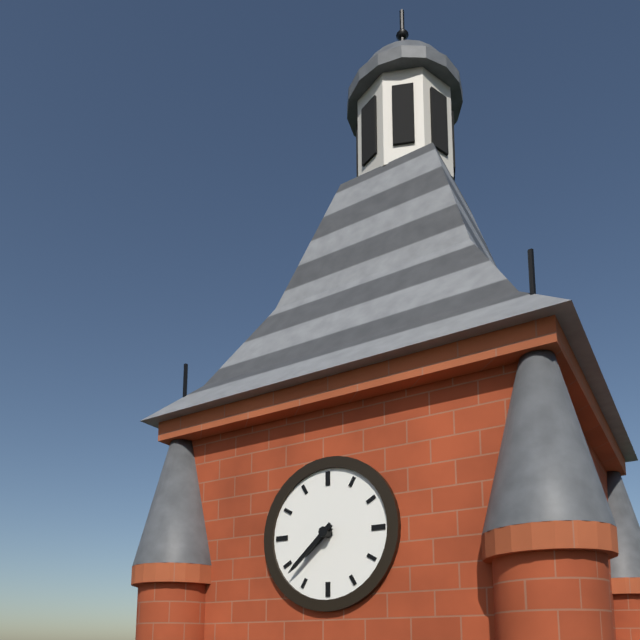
7h38
